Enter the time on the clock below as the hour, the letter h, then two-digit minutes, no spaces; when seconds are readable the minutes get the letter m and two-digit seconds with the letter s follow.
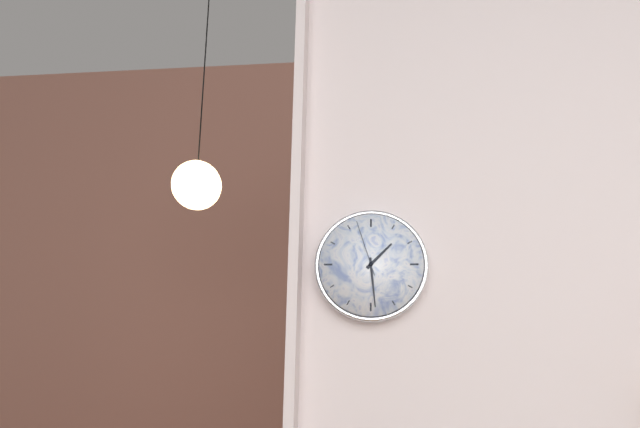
1h29m57s
